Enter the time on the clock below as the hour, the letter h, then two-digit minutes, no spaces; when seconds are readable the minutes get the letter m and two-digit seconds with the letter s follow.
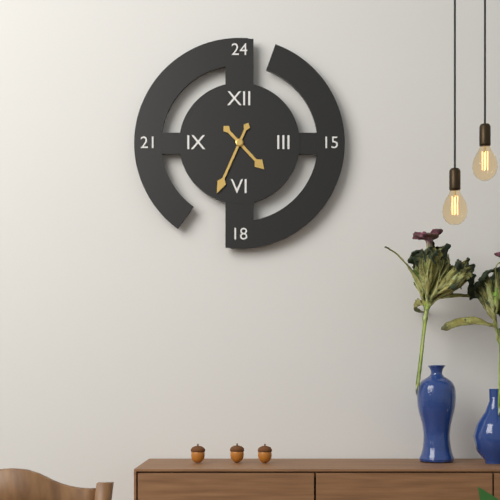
4h34
